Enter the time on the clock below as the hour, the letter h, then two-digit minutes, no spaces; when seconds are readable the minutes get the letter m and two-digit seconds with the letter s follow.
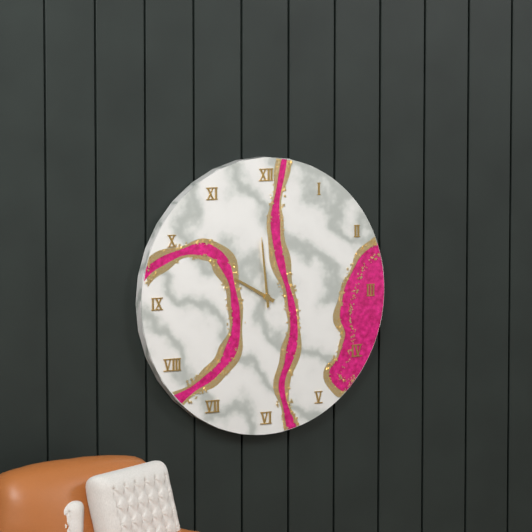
9h59
